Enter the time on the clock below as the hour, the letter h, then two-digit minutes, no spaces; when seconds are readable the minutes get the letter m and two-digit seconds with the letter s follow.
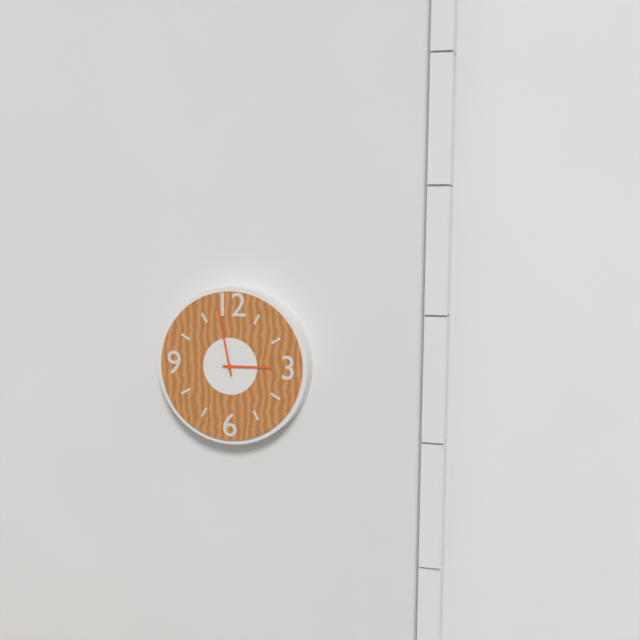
2h58
